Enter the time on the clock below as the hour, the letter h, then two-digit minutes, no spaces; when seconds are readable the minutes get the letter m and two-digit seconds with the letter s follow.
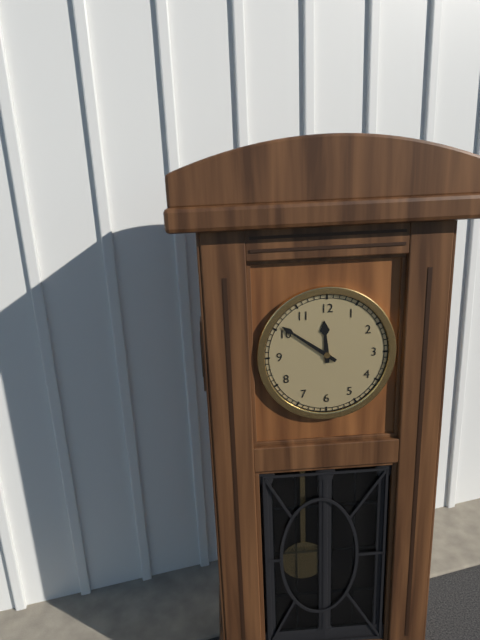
11h51
